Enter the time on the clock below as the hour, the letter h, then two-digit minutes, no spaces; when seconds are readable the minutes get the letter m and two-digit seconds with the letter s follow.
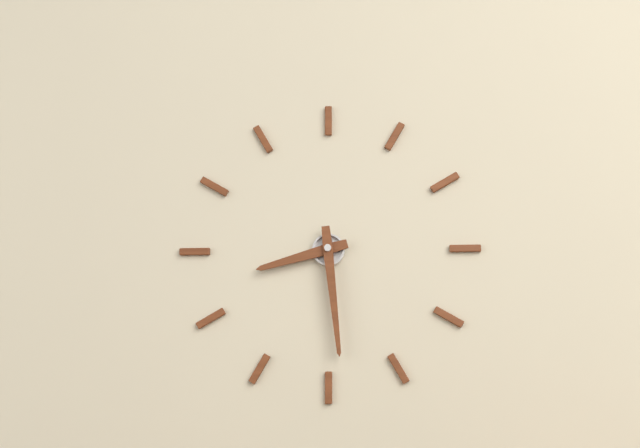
8h29
